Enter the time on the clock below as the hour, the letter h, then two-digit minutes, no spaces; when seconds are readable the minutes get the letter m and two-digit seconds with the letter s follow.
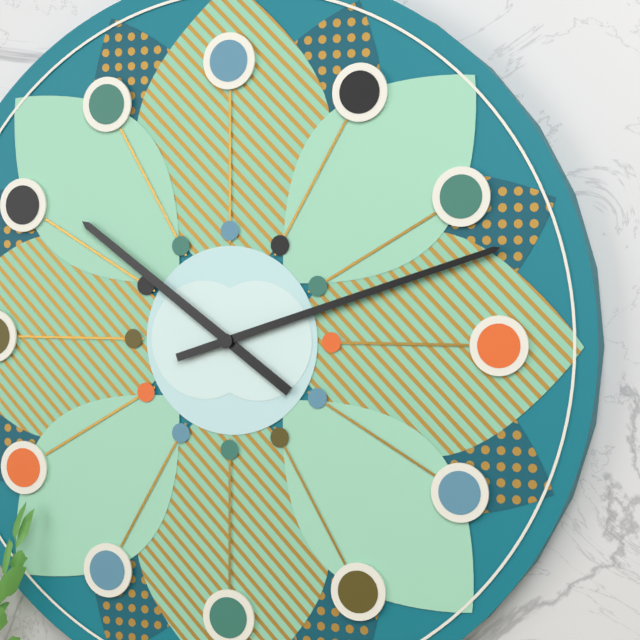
10h12
